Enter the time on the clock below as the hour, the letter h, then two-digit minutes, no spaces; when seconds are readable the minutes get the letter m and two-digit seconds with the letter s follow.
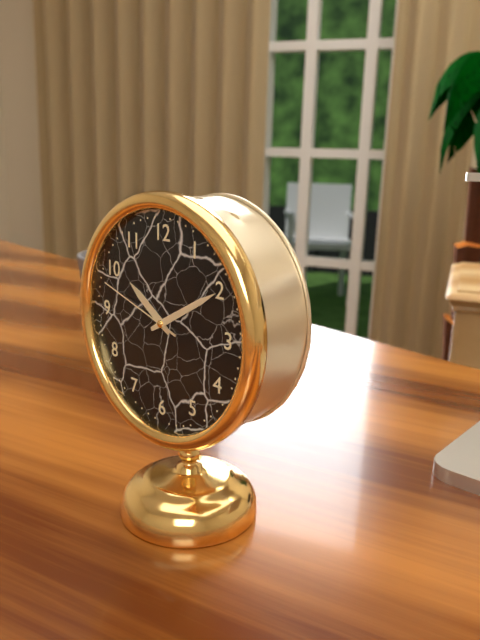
10h10m48s
